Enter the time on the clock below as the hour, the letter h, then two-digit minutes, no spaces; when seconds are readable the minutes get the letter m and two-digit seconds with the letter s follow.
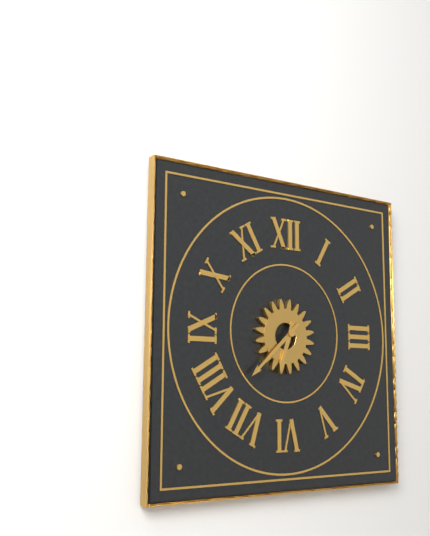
6h38
